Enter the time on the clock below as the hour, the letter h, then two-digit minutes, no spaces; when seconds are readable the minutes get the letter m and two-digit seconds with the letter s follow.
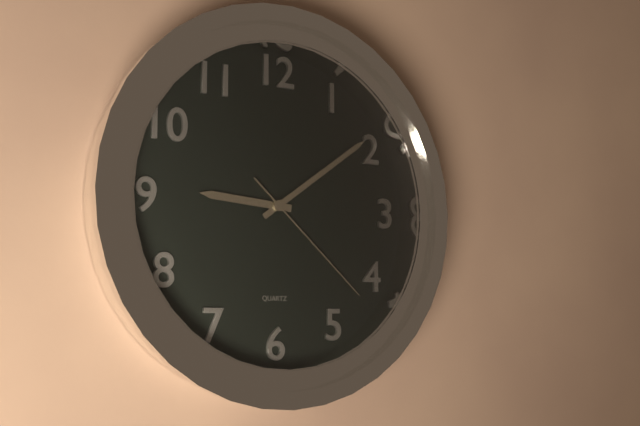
9h09m22s
